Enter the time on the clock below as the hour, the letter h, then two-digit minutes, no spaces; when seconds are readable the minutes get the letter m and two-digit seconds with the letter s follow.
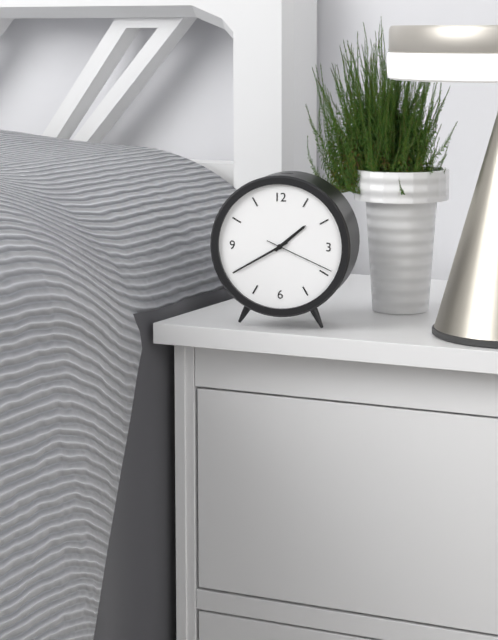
1h40m19s
